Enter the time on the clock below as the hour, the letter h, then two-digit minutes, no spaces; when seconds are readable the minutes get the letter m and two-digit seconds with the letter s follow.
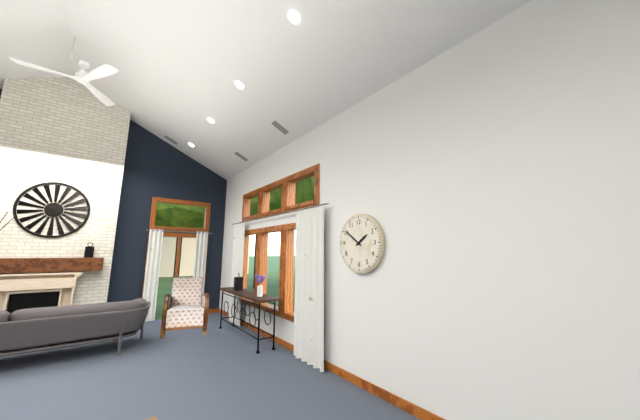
1h51
